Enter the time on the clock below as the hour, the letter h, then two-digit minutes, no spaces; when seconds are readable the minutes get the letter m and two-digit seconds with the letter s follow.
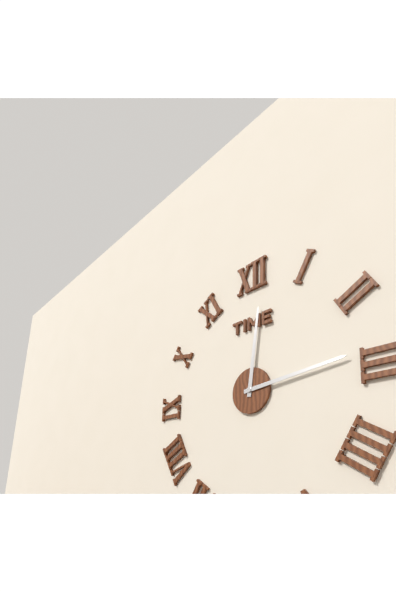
12h14
